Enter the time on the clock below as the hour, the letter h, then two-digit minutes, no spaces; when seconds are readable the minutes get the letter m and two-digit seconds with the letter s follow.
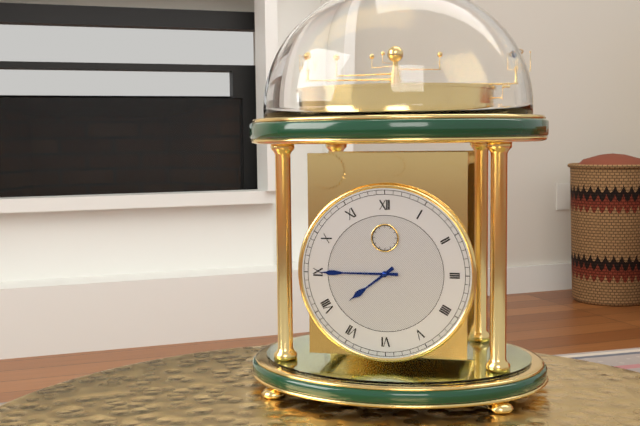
7h45
